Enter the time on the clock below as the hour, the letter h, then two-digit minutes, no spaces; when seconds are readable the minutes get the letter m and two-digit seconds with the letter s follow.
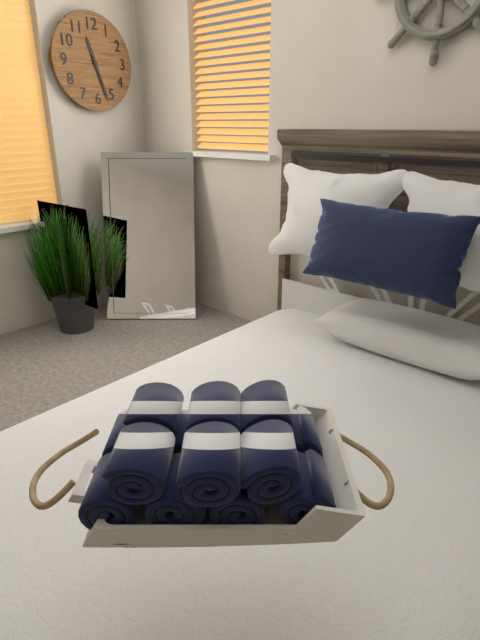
11h27
